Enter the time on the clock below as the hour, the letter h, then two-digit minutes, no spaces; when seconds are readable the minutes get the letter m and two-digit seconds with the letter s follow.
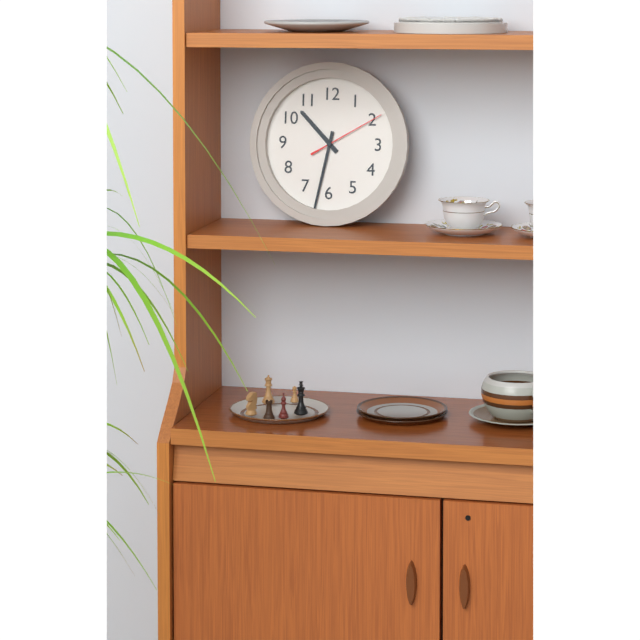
10h32m10s
